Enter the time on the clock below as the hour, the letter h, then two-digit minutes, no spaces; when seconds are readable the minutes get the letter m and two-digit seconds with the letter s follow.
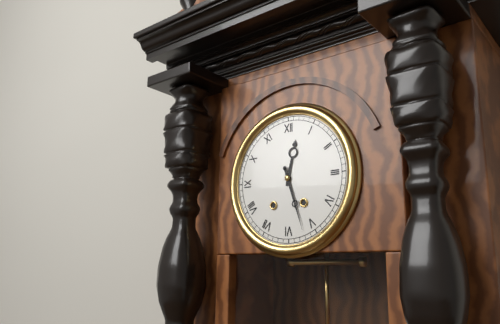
12h27
